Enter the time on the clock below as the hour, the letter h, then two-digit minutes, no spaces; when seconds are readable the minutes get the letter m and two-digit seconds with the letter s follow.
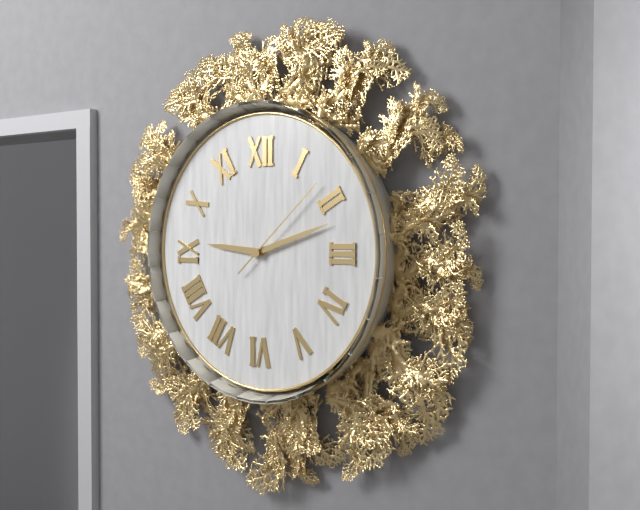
9h12m08s
